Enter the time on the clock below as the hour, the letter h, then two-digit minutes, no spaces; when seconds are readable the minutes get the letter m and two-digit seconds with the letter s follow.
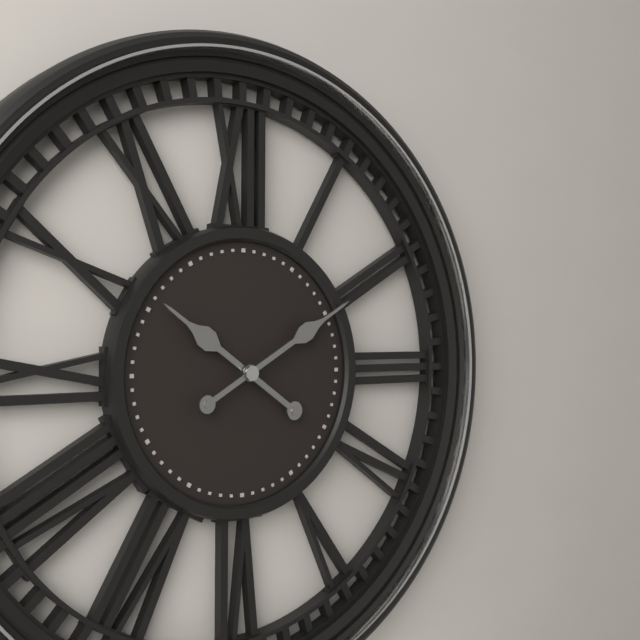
10h10
